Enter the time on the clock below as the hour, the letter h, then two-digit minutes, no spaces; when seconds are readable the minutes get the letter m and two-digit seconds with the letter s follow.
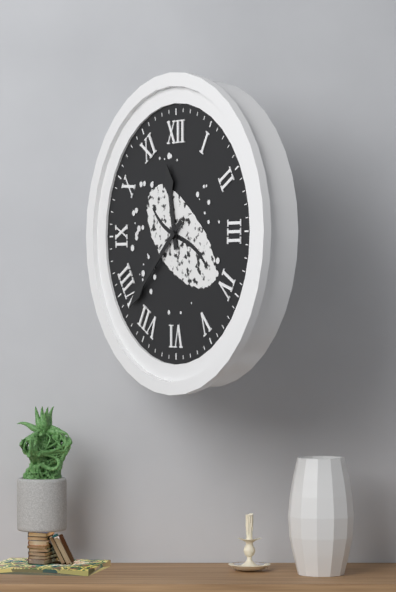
11h38
